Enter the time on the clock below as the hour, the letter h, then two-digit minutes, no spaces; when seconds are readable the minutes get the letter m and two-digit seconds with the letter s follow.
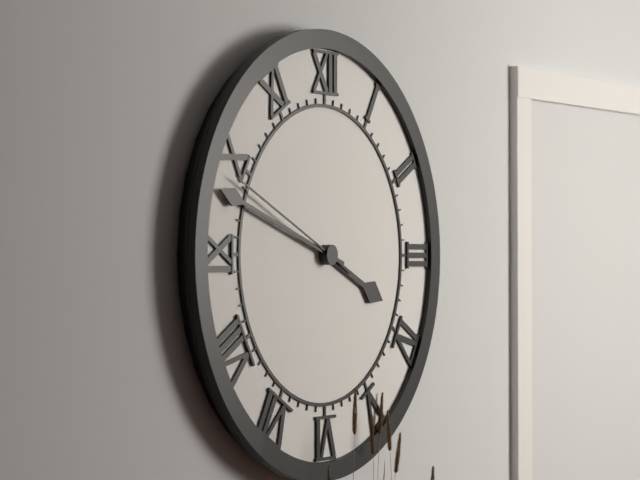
3h48m49s
